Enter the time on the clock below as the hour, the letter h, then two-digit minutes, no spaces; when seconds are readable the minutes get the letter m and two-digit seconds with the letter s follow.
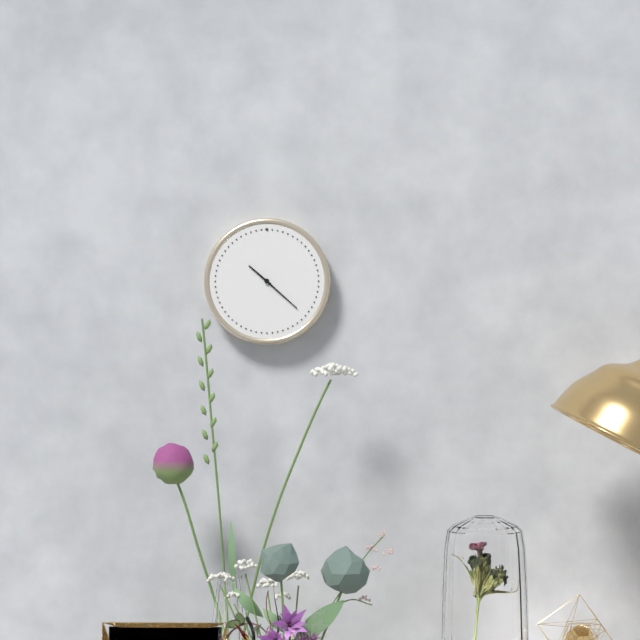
10h22
